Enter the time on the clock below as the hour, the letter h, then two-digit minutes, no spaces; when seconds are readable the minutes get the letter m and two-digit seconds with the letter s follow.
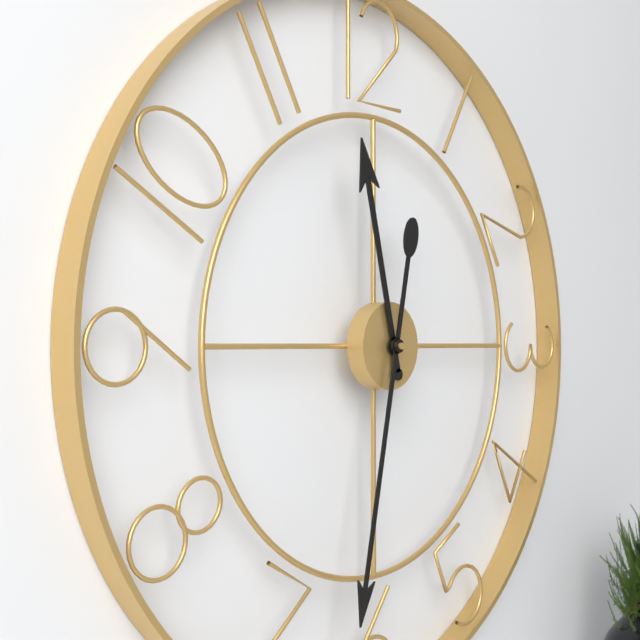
11h32
